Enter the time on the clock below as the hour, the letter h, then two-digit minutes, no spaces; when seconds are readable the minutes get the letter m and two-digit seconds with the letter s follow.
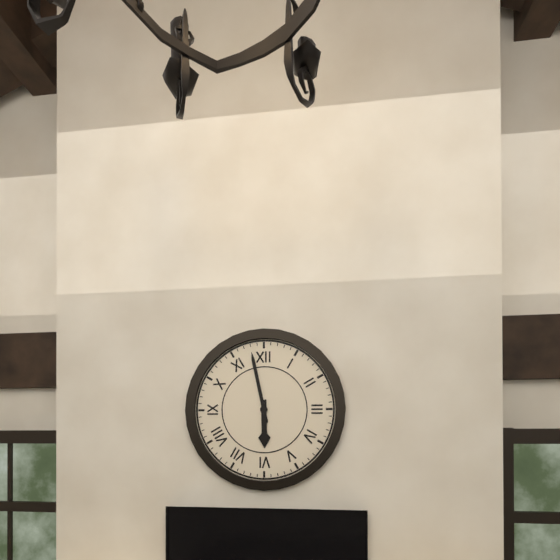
5h58
